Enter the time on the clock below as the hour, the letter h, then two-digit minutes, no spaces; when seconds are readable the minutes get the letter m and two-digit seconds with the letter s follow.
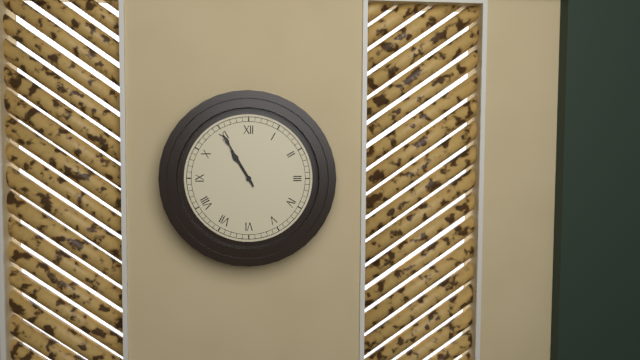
10h55
